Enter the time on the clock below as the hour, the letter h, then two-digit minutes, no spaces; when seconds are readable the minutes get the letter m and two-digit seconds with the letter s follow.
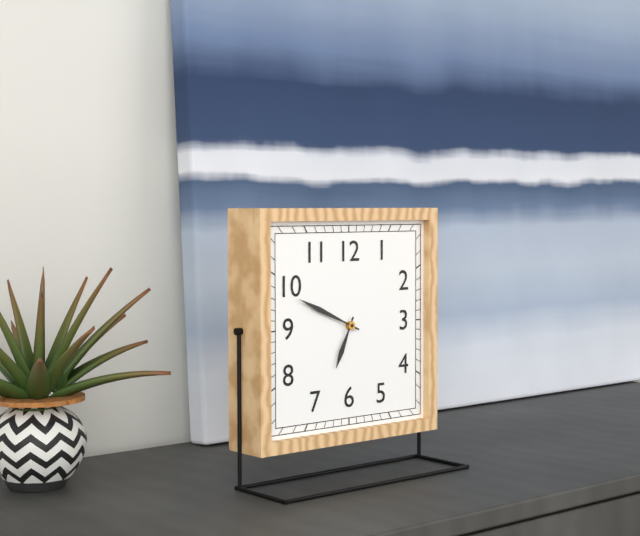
6h49
